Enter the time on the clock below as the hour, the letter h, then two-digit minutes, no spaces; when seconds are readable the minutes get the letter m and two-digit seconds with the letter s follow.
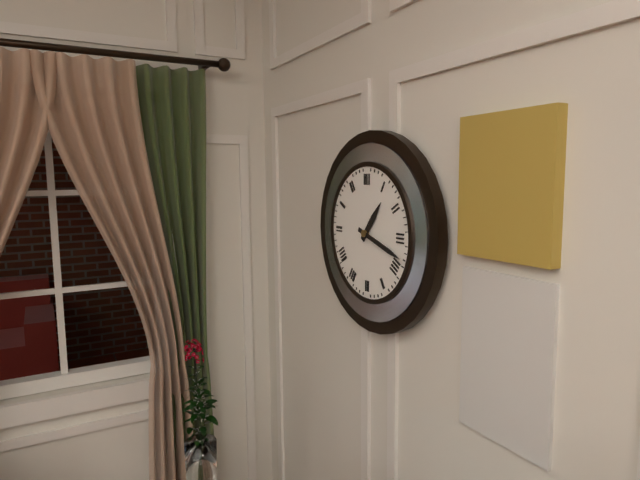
1h18
